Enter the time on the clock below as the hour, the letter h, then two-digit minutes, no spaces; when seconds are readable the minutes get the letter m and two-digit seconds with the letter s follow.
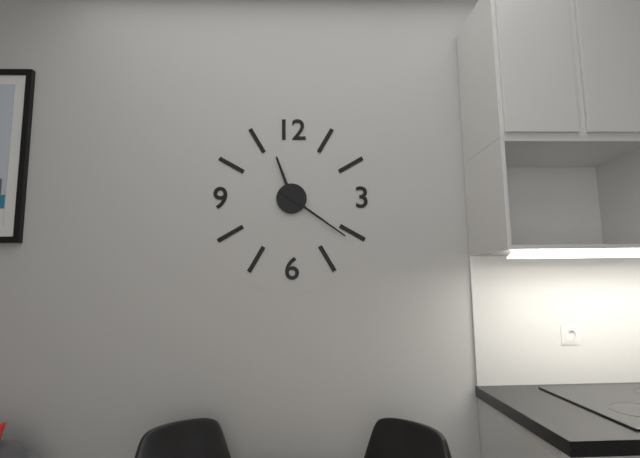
11h21
